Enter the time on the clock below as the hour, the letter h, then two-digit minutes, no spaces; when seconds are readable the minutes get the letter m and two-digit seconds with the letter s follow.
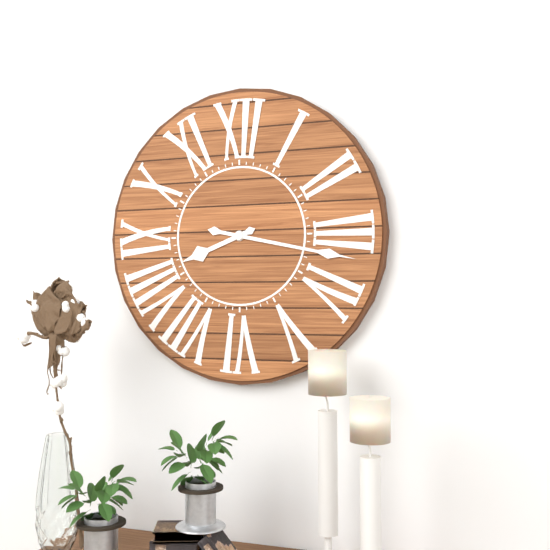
8h17
